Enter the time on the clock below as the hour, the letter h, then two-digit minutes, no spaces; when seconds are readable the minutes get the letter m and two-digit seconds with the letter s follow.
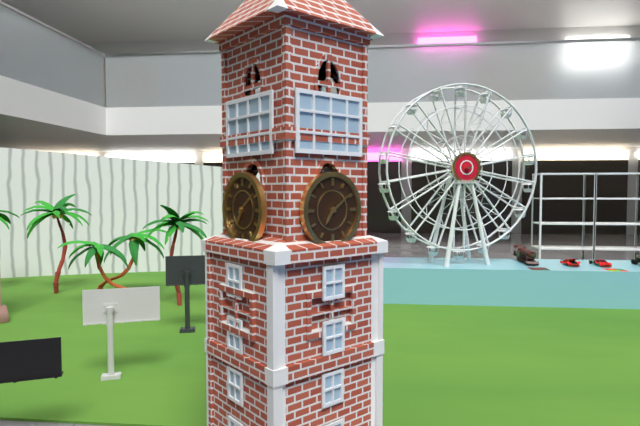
7h09
